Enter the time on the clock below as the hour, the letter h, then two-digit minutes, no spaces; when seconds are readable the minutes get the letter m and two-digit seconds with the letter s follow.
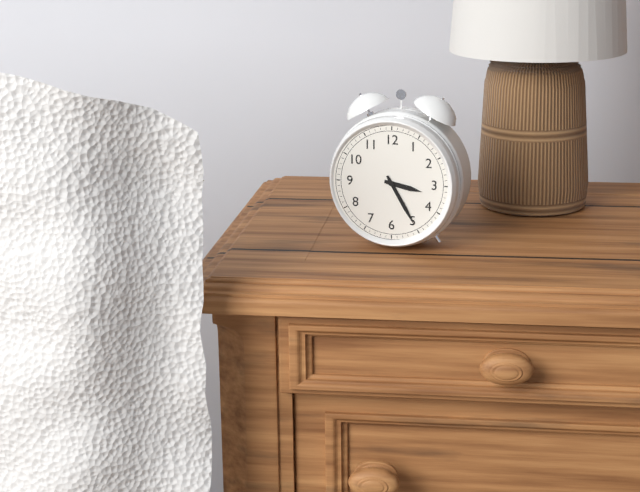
3h25
